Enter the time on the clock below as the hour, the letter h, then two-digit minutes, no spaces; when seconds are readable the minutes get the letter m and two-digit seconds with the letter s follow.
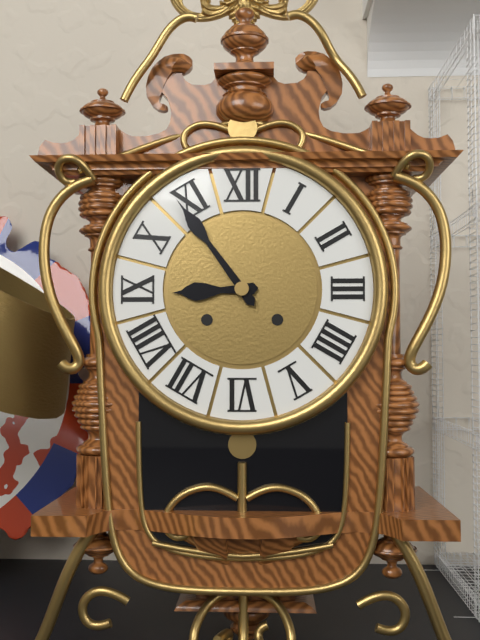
8h54
